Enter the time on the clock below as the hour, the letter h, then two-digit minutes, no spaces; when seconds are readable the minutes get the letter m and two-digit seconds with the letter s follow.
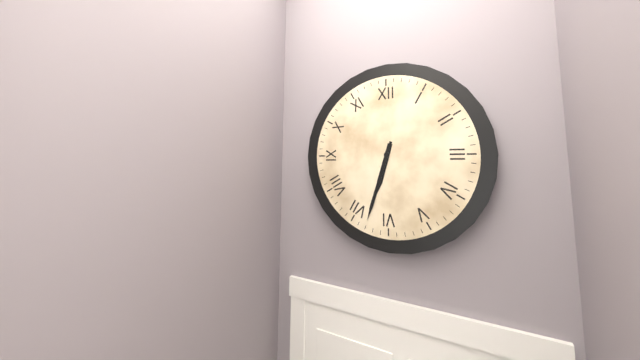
6h33
